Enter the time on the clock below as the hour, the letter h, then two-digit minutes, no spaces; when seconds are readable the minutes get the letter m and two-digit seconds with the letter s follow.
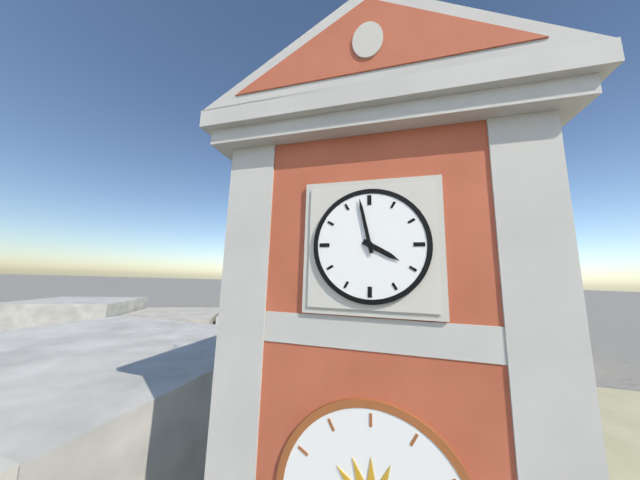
3h58
